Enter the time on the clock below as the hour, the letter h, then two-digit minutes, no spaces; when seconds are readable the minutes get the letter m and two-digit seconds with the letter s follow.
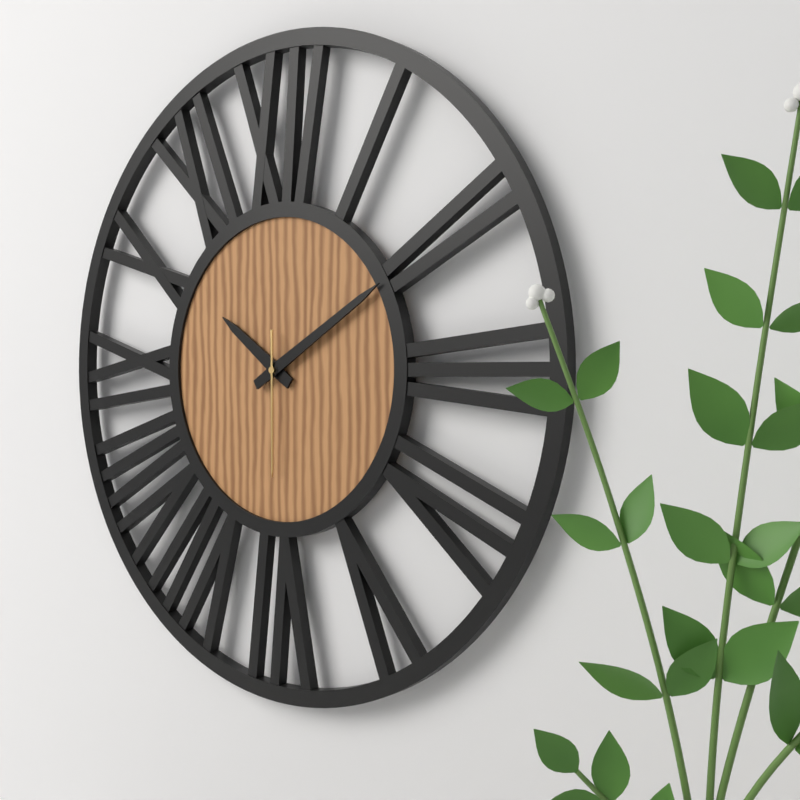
10h10m30s
